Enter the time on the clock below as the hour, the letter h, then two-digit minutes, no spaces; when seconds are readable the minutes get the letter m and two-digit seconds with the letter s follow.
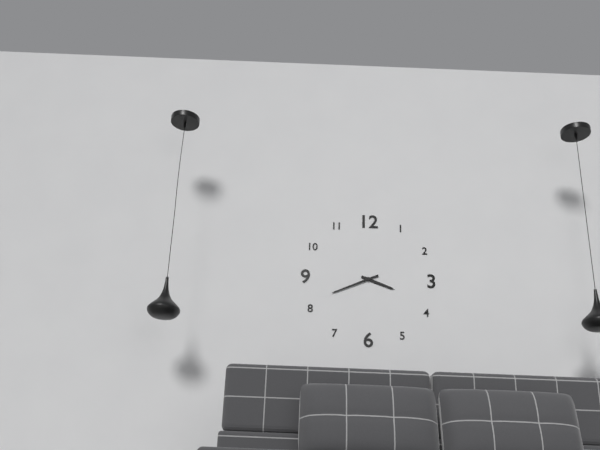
3h41
